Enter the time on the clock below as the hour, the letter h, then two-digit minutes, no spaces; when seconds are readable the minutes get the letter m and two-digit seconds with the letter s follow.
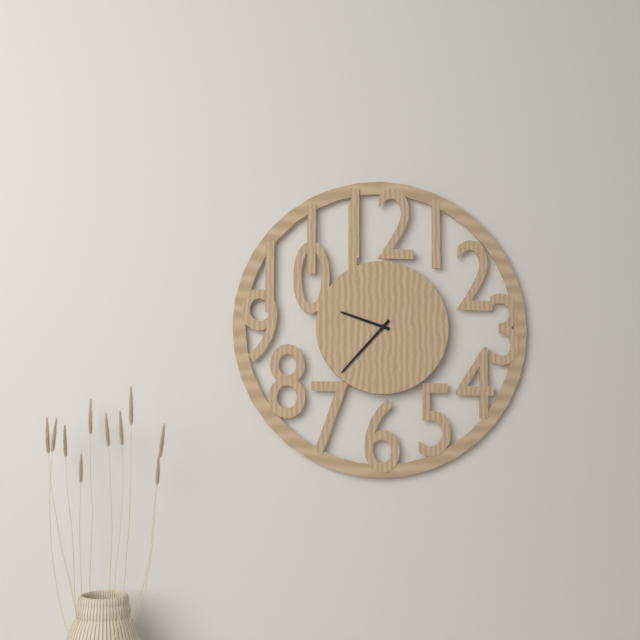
9h37
